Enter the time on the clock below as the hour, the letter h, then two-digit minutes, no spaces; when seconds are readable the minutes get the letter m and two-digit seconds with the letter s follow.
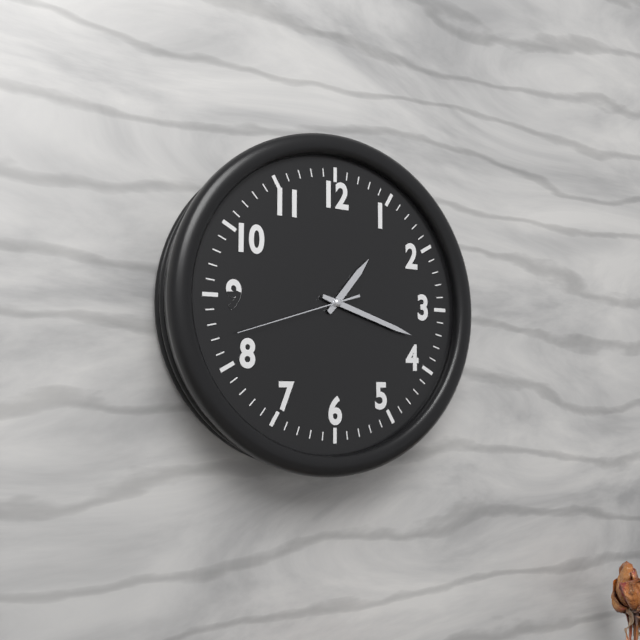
1h18m42s
